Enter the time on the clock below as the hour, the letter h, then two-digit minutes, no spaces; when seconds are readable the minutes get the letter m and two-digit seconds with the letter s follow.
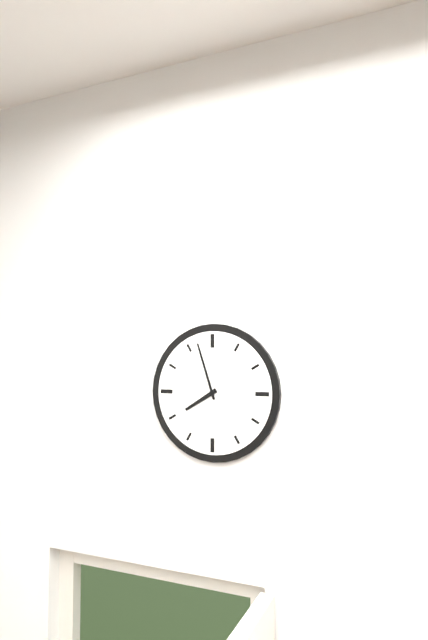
7h57
